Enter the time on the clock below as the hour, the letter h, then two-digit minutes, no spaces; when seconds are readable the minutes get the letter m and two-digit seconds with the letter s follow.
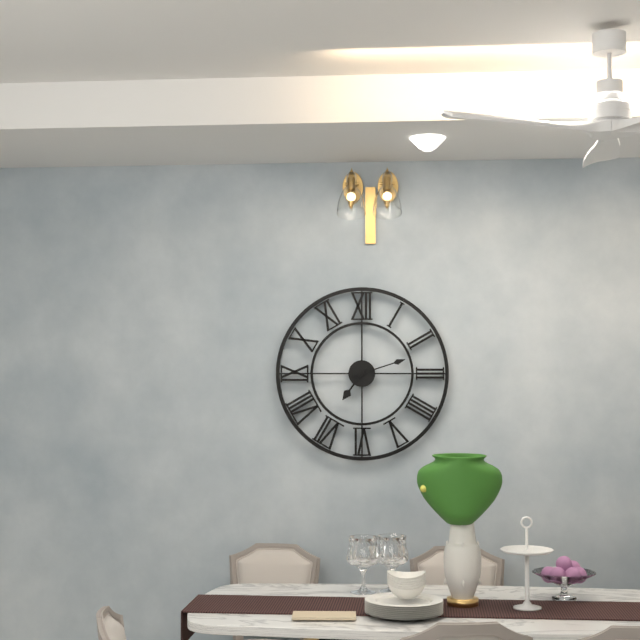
7h12
